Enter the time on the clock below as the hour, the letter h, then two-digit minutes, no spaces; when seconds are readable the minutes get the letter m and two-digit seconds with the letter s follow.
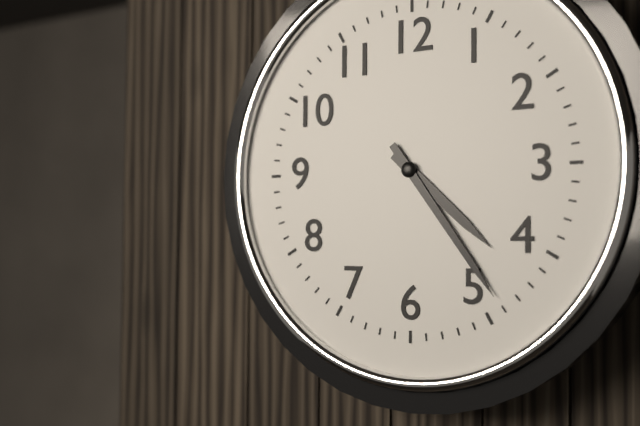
4h24
